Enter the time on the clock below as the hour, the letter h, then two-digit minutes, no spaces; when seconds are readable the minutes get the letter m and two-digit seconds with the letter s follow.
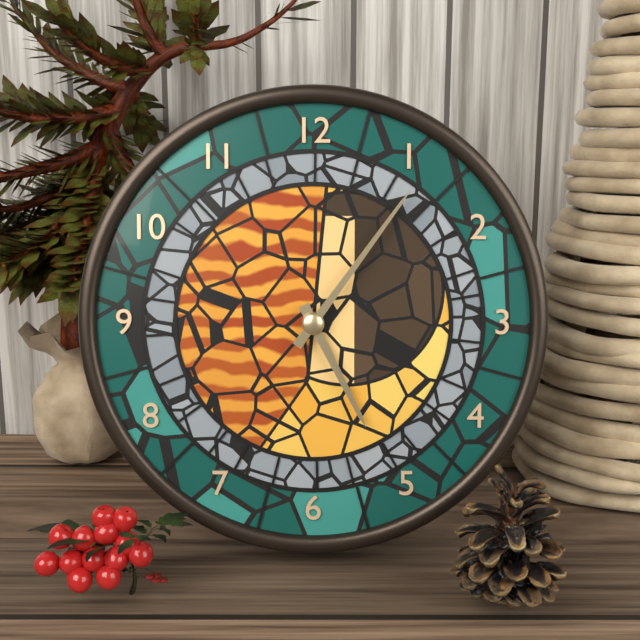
5h06
